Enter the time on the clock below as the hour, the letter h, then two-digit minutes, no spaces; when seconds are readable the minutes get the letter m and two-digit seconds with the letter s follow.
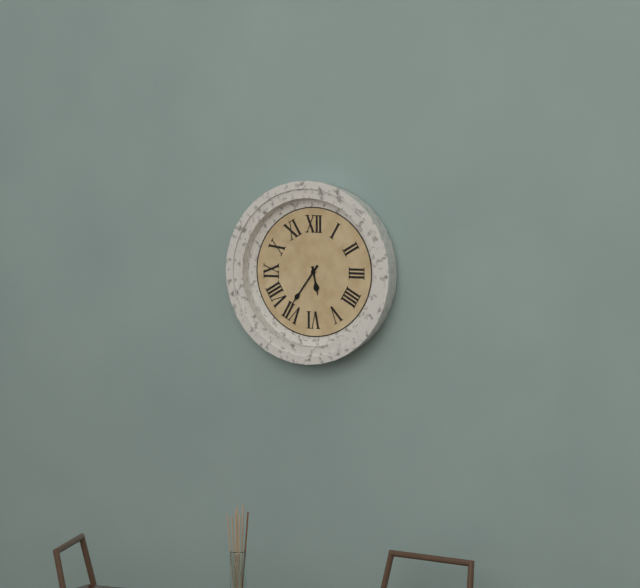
5h36
